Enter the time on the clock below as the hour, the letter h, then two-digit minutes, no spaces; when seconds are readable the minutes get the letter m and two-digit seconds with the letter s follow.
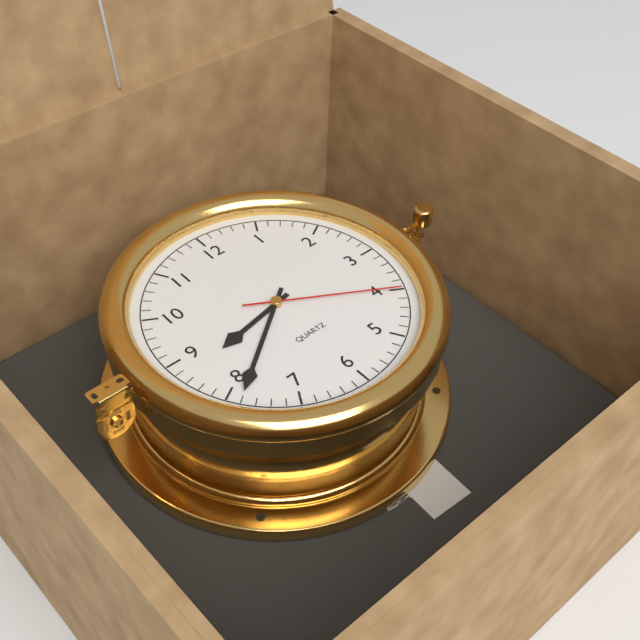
8h39m20s
